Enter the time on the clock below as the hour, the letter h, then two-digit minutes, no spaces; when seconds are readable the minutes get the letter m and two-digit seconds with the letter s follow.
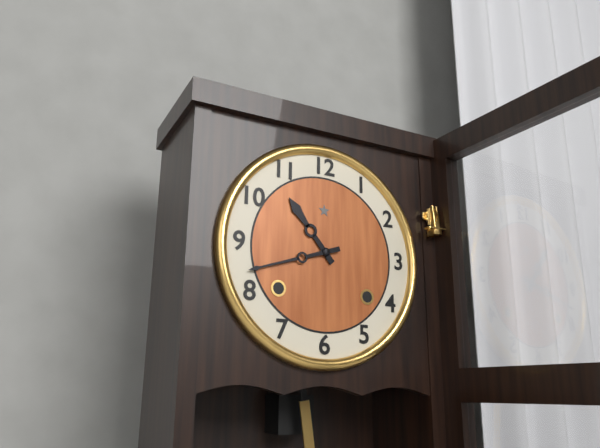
10h42
